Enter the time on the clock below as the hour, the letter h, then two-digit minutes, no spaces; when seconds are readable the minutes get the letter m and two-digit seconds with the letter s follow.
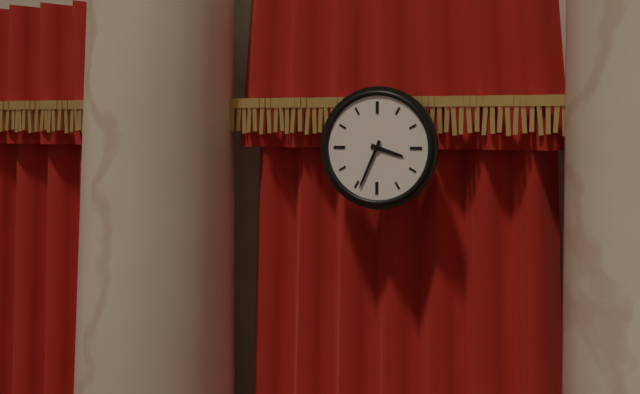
3h34
